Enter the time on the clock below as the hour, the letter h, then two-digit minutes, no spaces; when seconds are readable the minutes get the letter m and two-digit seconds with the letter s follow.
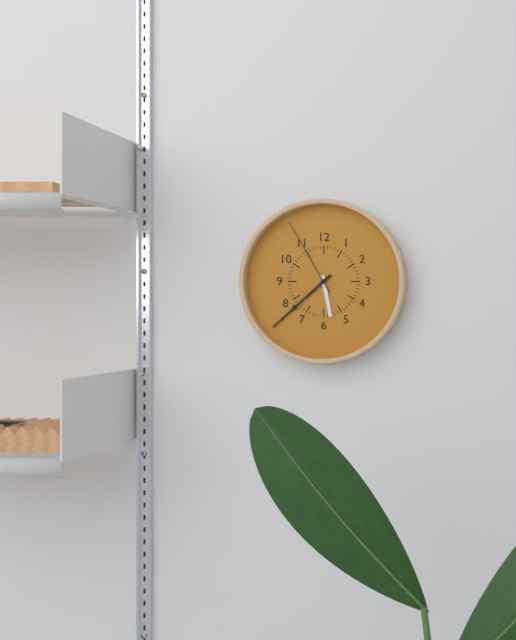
5h38m55s
